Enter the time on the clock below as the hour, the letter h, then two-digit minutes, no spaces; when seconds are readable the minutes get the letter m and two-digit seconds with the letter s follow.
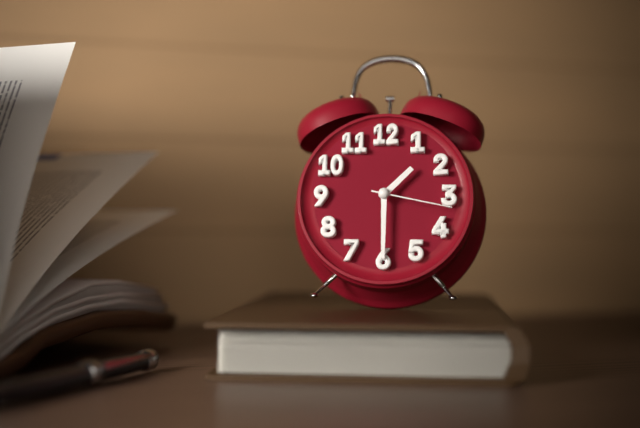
1h30m17s
